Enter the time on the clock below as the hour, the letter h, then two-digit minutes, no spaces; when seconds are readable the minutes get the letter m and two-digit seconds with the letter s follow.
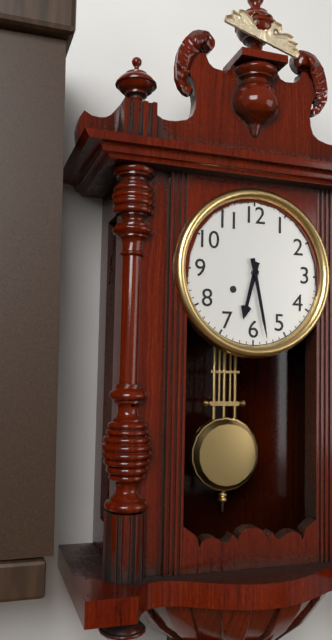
6h28
